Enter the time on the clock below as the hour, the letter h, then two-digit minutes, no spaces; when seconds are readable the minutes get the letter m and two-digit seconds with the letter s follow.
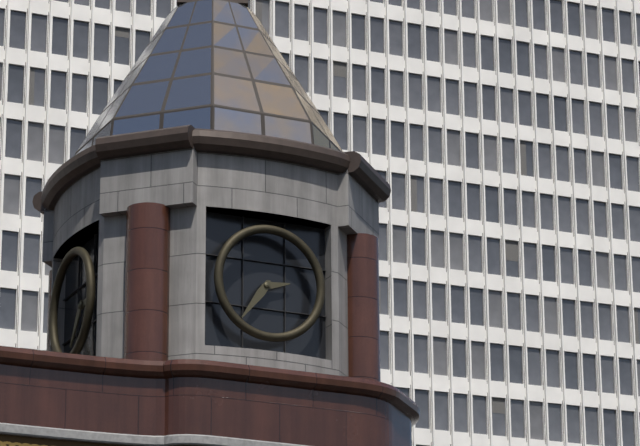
2h36
